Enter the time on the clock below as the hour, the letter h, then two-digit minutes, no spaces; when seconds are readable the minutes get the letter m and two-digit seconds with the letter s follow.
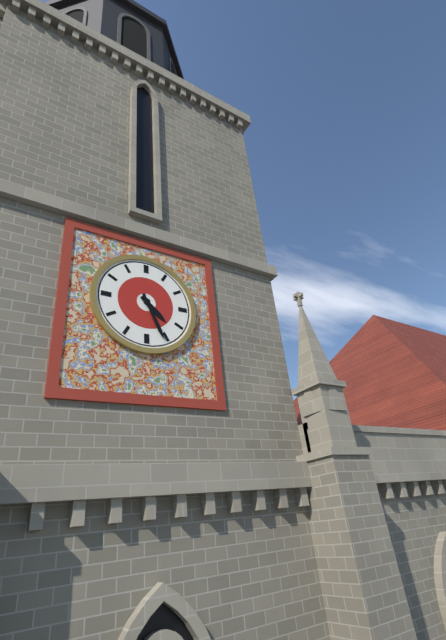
4h26
